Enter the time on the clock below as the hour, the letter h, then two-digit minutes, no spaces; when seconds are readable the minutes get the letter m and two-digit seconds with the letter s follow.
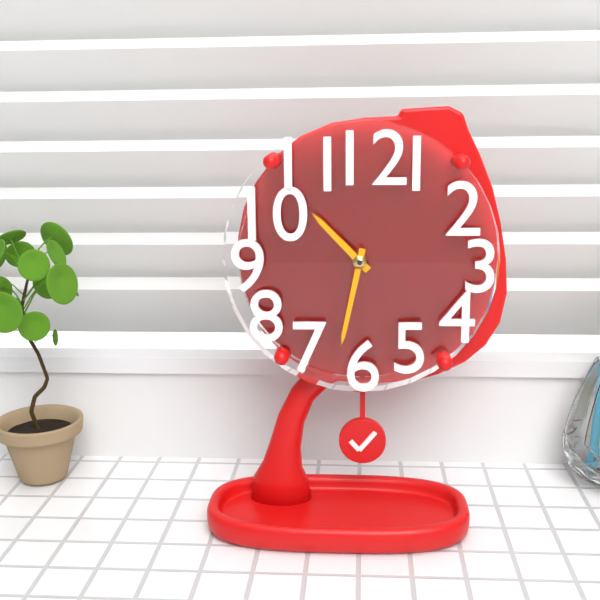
10h32
